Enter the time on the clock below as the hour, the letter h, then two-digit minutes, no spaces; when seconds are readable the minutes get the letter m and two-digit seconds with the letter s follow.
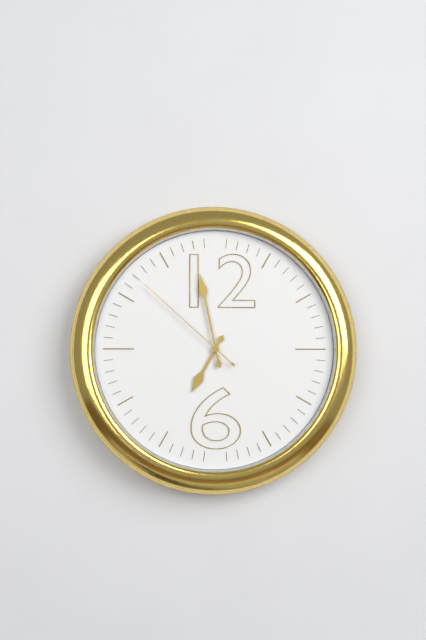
6h58m52s
